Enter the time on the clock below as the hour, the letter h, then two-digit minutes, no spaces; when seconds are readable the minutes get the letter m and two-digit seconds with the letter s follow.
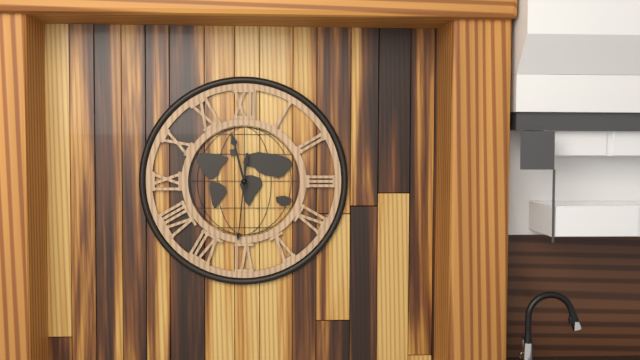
11h31
